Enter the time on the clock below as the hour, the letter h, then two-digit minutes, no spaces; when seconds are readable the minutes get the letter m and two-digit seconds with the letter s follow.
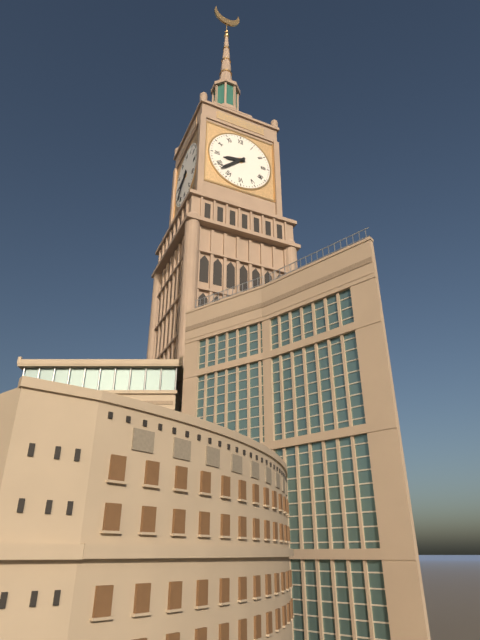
8h38
